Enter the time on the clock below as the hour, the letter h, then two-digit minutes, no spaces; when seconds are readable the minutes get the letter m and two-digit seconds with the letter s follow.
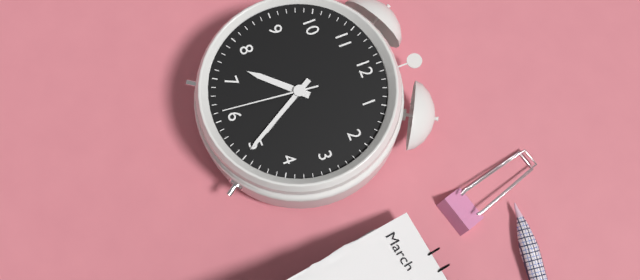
7h25m31s
